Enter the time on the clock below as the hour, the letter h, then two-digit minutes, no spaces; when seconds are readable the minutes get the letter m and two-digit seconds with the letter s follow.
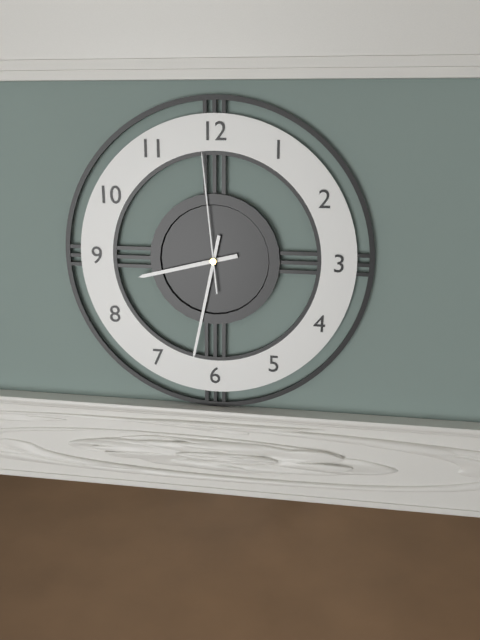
8h32m59s
